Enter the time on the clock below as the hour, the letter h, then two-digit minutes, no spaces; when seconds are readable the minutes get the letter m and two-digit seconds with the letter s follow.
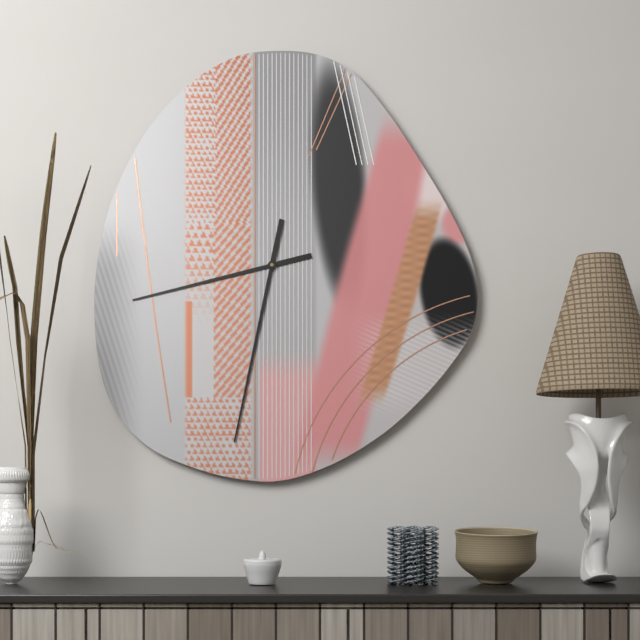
8h32
